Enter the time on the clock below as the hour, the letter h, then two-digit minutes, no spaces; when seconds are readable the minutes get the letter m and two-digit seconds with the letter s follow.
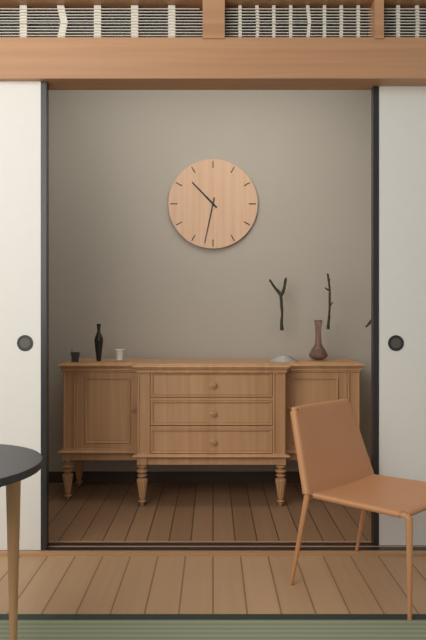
10h32
